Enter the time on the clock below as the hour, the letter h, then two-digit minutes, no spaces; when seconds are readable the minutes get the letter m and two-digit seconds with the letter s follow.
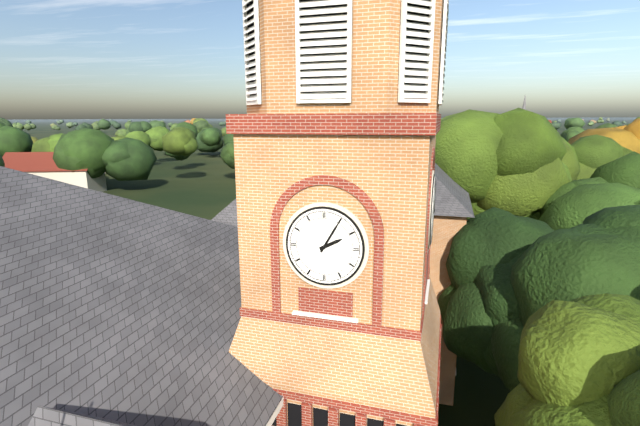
2h05
